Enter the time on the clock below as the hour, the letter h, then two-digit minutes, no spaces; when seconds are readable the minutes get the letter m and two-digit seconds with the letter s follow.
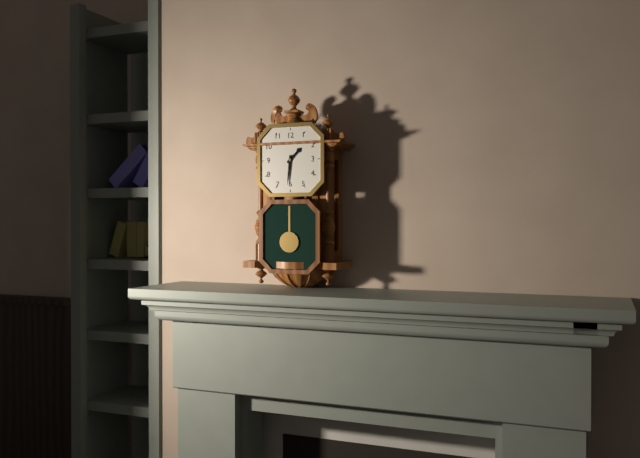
1h31
